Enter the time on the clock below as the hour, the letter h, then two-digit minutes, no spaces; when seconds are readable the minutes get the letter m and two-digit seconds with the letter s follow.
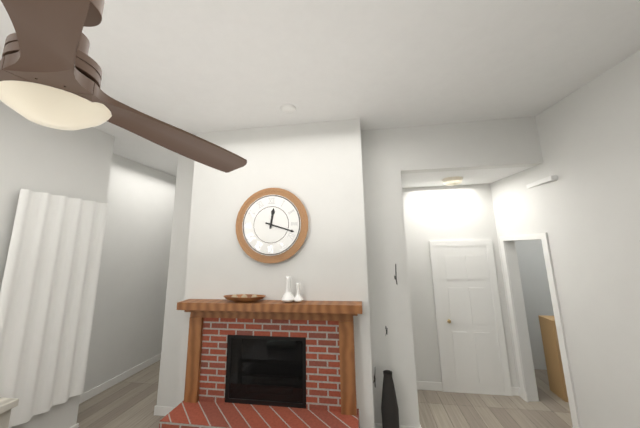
12h18
